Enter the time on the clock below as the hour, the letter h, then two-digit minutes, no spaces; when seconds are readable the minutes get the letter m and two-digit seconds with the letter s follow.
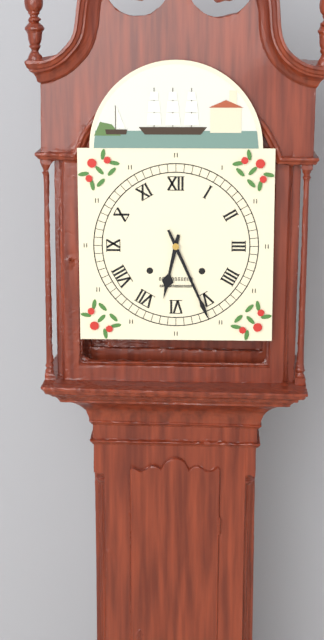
6h26
